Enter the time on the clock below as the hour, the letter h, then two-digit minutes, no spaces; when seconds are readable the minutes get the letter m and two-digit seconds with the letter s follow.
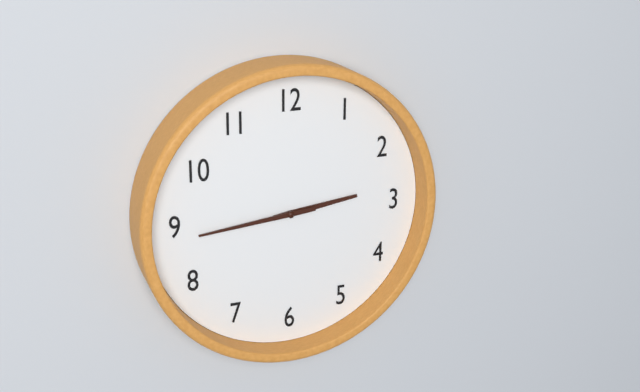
2h44
